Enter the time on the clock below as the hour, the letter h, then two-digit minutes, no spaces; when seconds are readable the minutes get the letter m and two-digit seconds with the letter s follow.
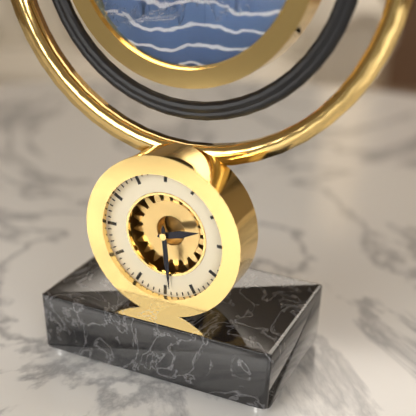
2h29
